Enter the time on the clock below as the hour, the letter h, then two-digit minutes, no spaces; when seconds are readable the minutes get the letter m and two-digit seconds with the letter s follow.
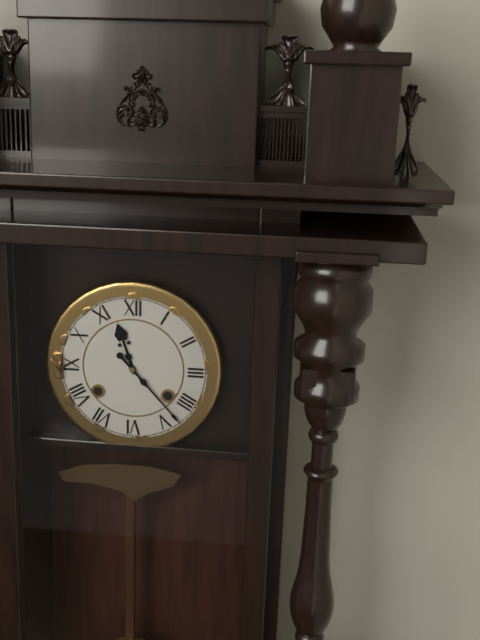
11h23
